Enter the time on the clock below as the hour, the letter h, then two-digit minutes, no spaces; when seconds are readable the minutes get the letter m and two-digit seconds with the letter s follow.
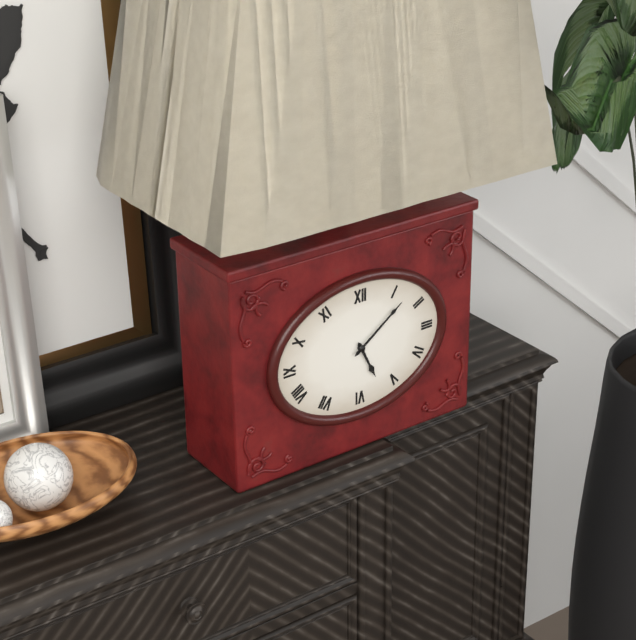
5h09
